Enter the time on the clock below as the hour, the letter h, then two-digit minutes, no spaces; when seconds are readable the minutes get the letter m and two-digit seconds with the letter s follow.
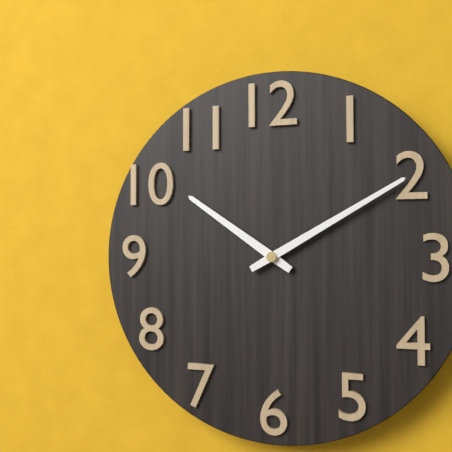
10h10
